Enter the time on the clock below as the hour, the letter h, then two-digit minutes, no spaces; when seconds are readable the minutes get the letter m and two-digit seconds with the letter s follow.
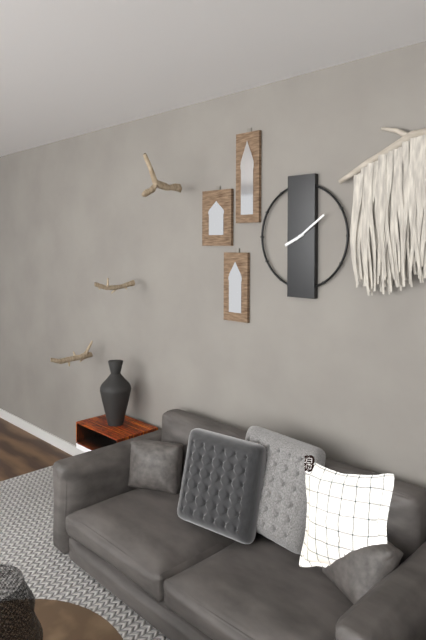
8h09
